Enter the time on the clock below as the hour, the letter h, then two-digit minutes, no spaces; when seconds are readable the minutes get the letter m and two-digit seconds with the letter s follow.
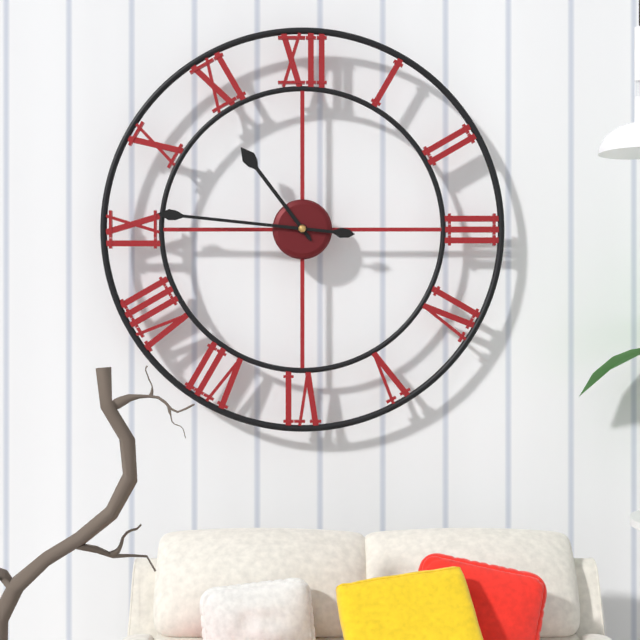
10h46
